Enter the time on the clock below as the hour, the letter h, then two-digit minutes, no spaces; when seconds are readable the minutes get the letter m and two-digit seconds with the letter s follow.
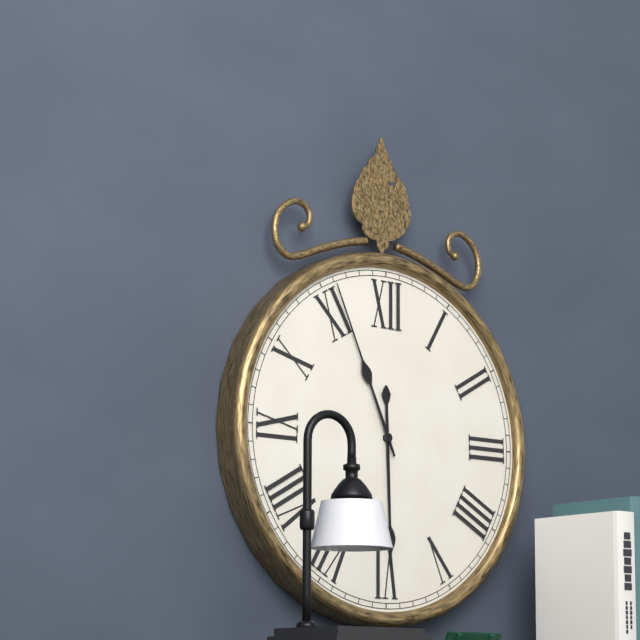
5h56
